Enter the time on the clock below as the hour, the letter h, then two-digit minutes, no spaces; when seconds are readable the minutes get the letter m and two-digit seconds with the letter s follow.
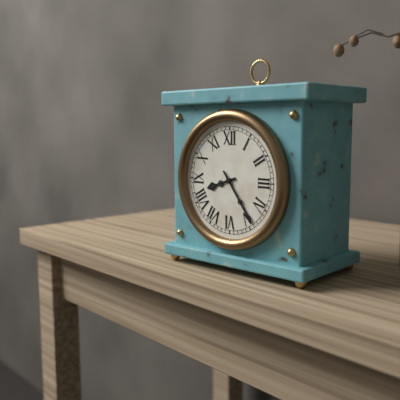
8h24
